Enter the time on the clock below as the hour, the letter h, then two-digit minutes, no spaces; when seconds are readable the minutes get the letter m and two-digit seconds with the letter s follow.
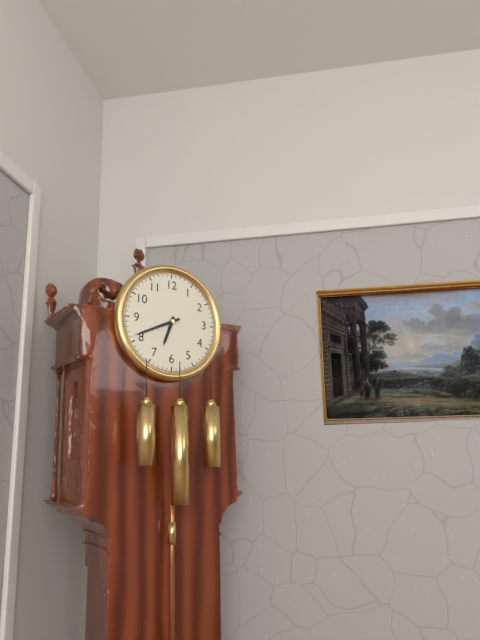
6h41
